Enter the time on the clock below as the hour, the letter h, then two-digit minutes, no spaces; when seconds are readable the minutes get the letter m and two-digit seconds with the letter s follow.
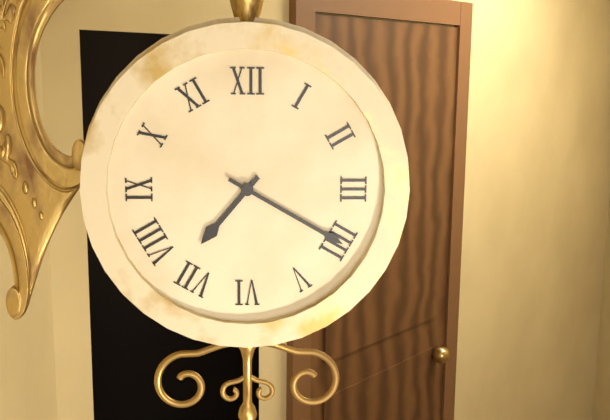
7h20
